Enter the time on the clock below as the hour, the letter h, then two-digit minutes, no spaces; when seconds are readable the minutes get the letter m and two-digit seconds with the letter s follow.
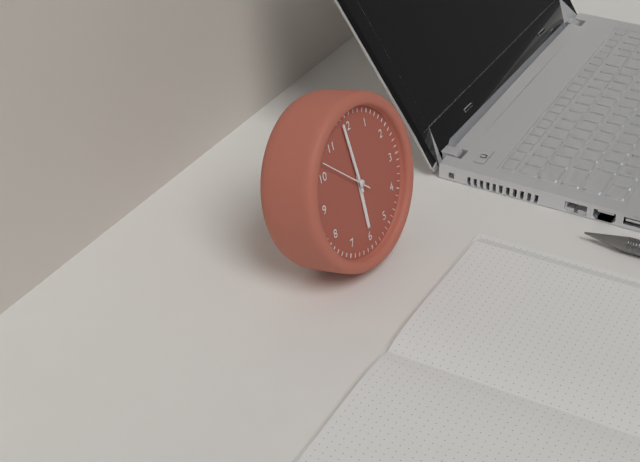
5h59
